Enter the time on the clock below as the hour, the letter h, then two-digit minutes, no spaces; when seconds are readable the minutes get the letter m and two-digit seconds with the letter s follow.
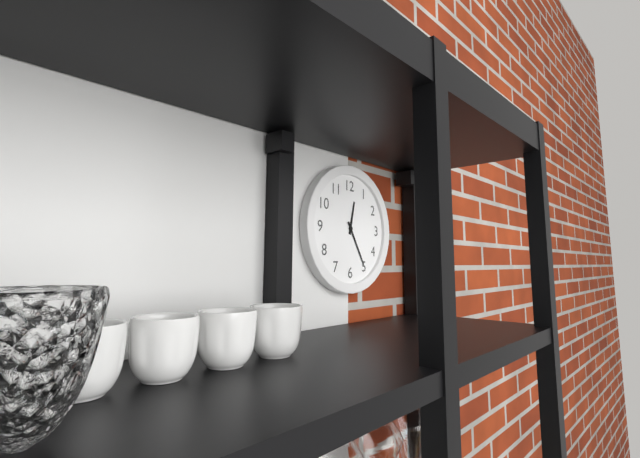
12h25
